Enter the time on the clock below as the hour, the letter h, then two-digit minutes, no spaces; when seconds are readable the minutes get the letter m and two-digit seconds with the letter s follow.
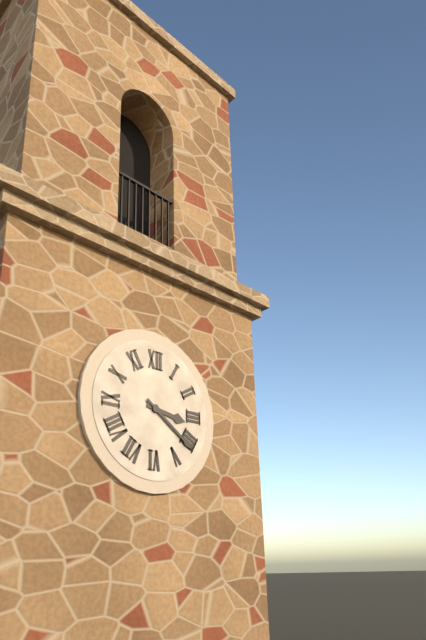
3h21
